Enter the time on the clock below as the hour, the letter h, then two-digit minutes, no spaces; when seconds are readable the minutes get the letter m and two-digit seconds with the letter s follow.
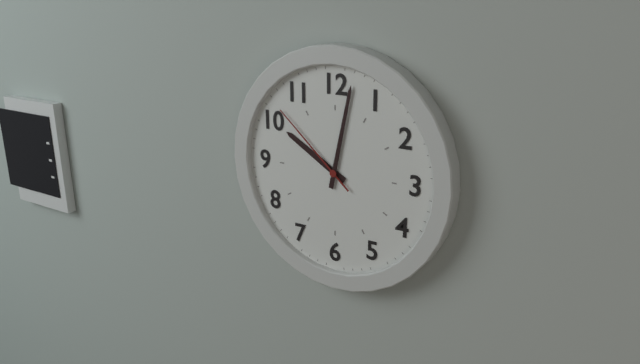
10h02m52s
